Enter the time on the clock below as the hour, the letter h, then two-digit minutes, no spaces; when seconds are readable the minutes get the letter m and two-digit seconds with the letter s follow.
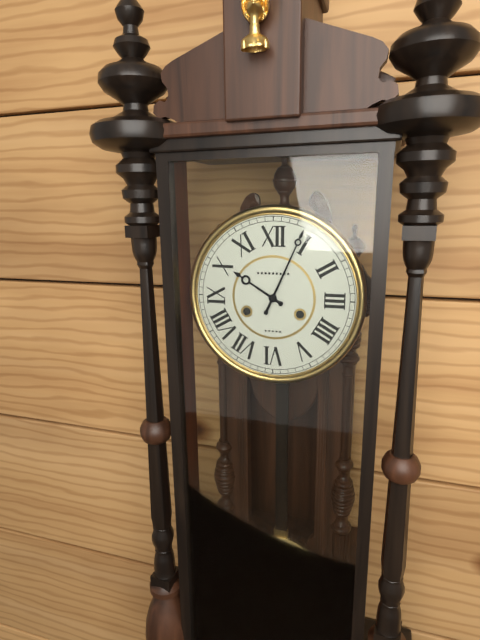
10h04
